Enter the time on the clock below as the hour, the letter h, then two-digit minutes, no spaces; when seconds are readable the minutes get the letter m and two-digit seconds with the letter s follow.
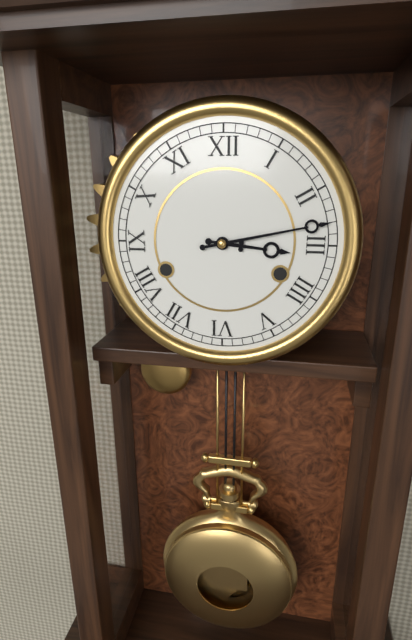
3h13
